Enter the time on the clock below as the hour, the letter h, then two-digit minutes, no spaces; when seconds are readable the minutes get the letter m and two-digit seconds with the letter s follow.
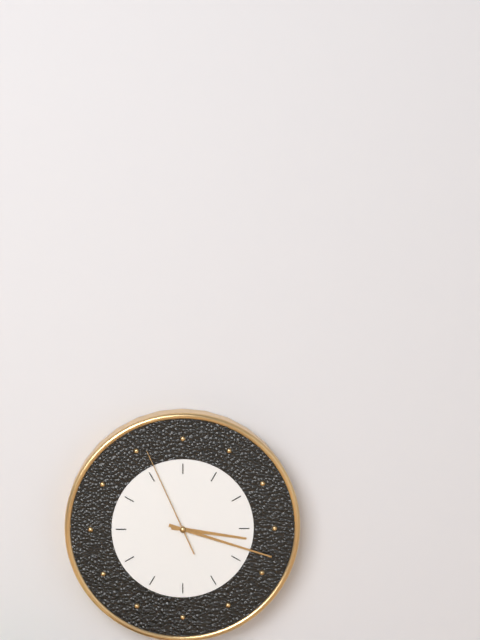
3h18m56s
